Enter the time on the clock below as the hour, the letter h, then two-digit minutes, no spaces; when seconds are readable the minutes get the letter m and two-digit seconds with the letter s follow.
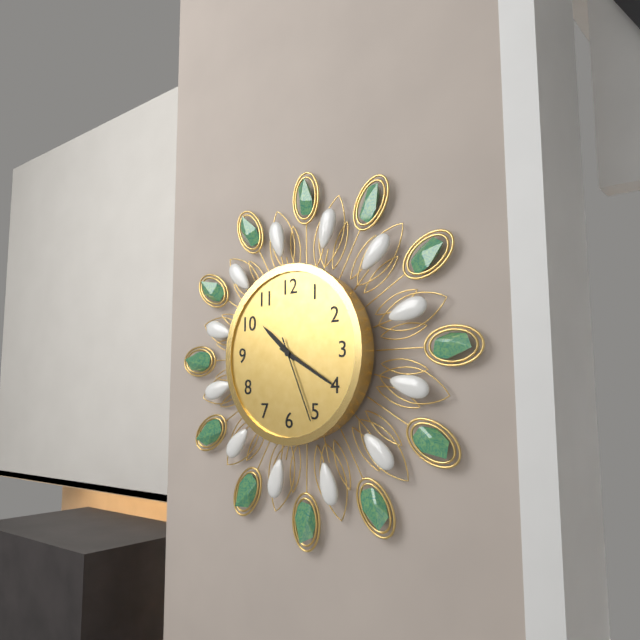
10h20m26s
